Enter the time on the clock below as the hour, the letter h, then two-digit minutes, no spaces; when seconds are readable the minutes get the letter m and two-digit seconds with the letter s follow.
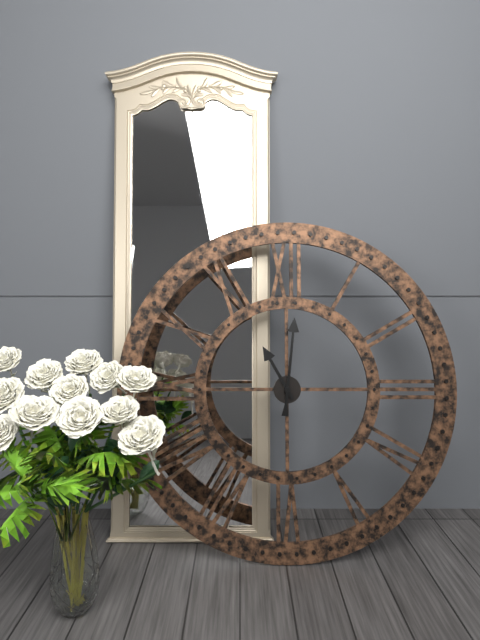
11h01
